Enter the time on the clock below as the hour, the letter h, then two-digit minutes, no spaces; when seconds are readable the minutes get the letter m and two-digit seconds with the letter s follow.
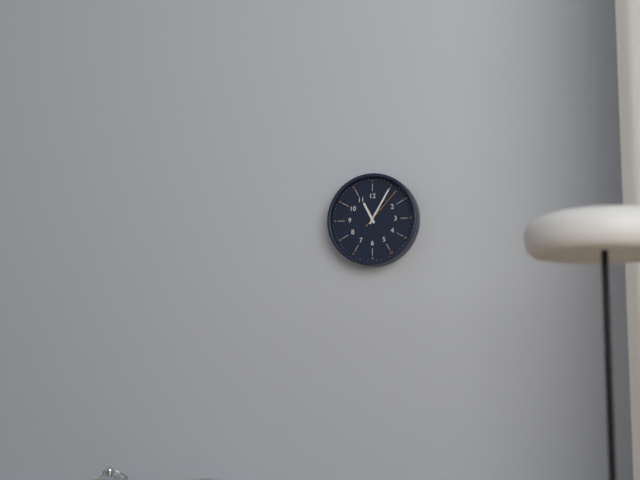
11h05
